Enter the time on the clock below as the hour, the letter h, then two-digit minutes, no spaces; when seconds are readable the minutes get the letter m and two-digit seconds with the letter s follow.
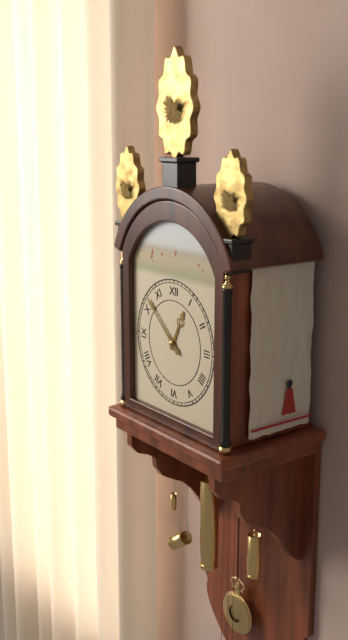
12h52
